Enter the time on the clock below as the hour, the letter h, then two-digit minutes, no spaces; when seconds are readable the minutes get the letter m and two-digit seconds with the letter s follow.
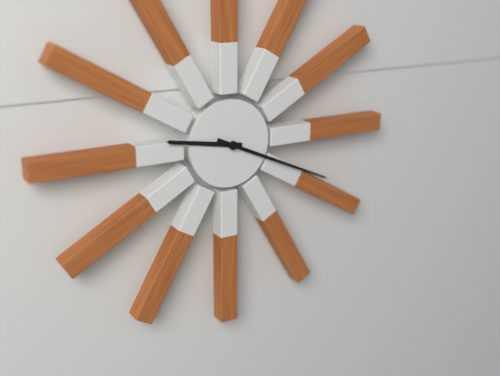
9h19
